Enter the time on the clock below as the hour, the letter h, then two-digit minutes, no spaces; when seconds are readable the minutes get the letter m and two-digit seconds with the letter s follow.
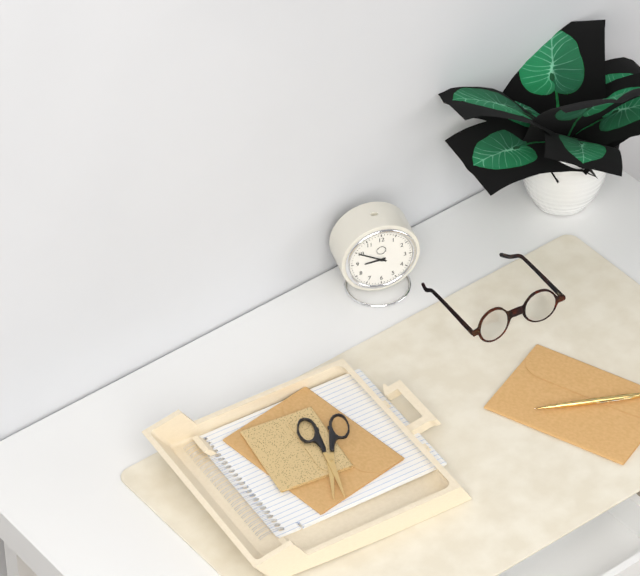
8h50
